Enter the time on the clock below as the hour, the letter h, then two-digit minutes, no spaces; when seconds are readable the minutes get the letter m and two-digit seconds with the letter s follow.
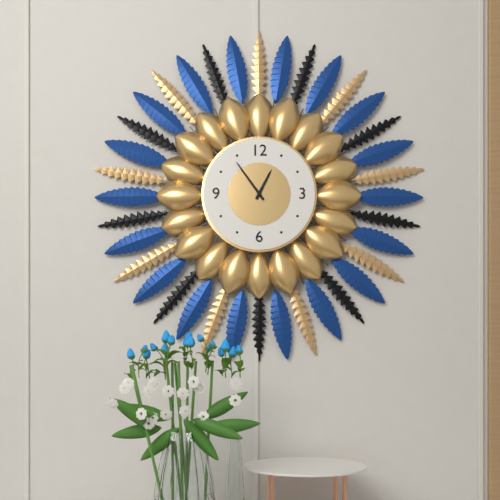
12h54
